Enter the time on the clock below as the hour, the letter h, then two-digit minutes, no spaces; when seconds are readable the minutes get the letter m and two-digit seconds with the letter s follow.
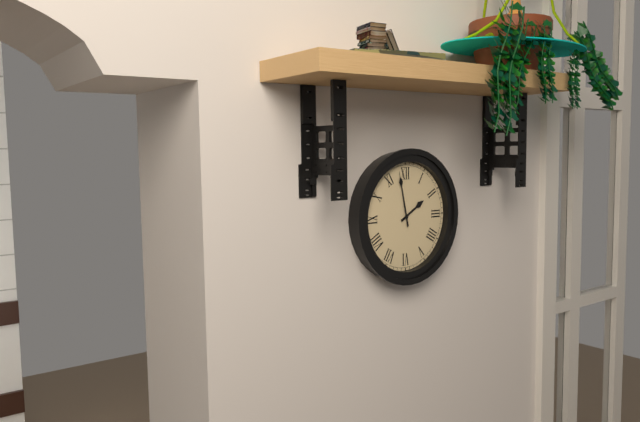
1h58
